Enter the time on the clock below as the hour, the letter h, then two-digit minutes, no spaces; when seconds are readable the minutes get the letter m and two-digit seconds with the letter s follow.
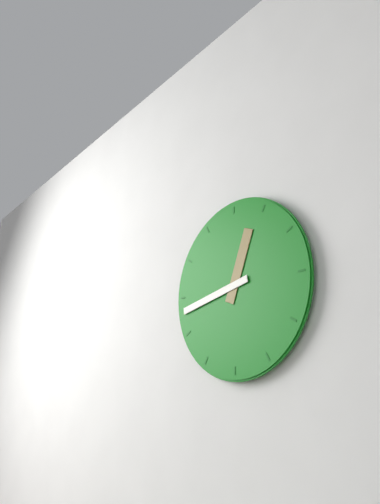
12h43
